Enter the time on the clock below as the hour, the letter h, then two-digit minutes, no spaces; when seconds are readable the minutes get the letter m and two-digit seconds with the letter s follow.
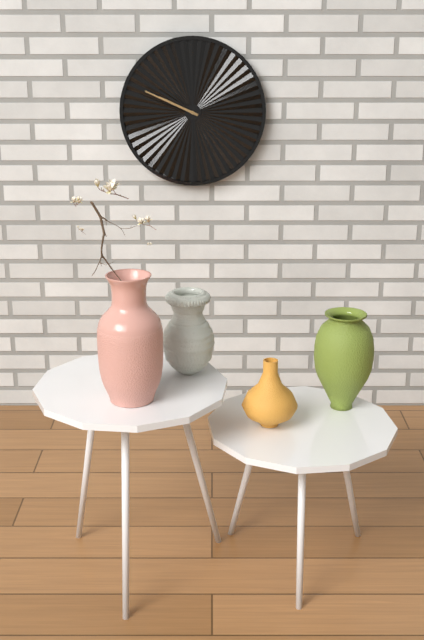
9h49
